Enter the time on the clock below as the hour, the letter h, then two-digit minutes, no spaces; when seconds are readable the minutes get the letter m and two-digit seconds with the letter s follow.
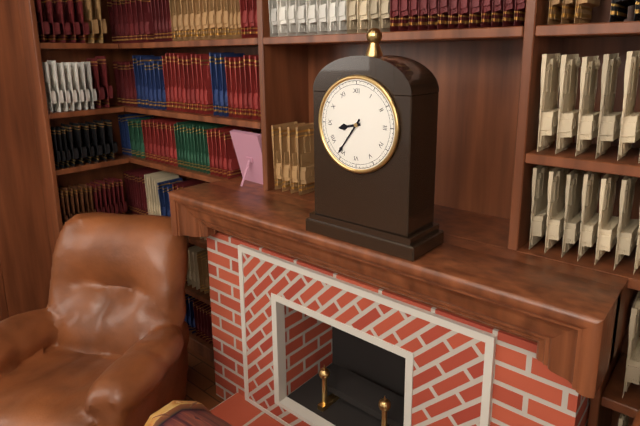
8h36
